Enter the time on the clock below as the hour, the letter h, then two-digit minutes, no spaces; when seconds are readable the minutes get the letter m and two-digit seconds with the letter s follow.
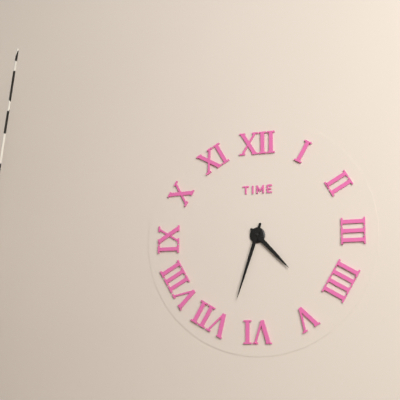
4h33
